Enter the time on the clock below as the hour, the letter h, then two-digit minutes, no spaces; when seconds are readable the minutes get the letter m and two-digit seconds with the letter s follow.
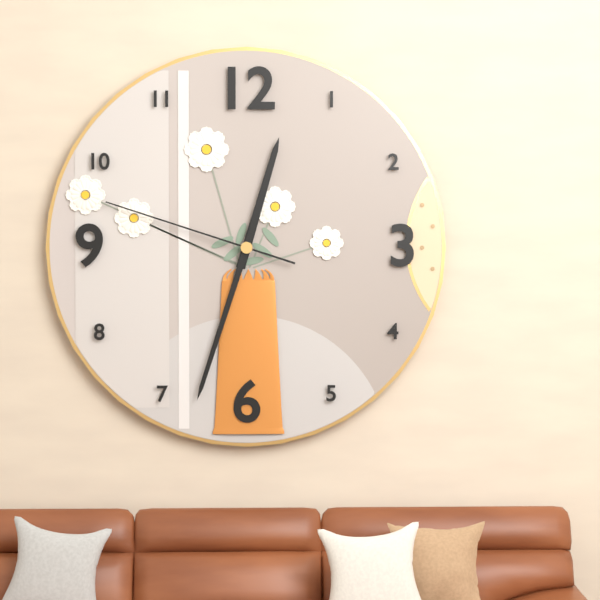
12h33m48s
